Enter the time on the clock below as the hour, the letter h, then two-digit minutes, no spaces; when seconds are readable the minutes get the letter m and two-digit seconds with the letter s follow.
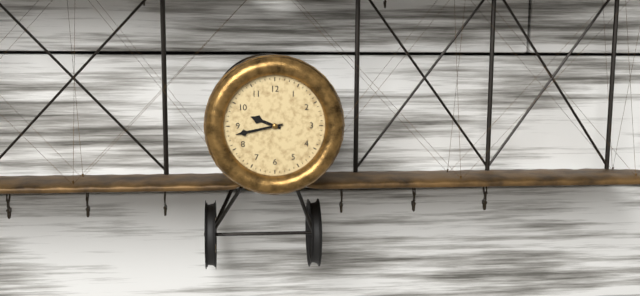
9h43
